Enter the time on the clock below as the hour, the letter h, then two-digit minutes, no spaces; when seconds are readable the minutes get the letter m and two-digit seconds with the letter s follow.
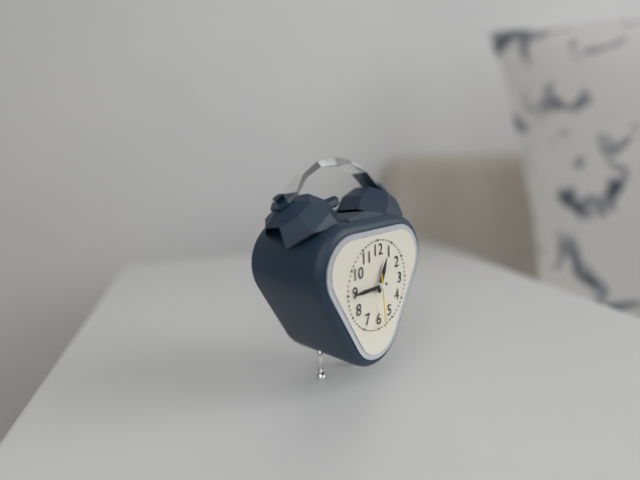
12h45m29s
